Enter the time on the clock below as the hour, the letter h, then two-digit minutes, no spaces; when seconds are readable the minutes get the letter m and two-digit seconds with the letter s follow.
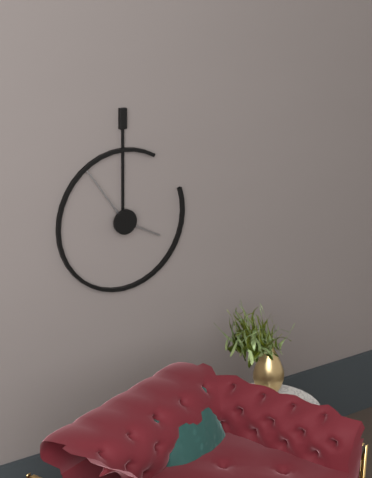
3h54
